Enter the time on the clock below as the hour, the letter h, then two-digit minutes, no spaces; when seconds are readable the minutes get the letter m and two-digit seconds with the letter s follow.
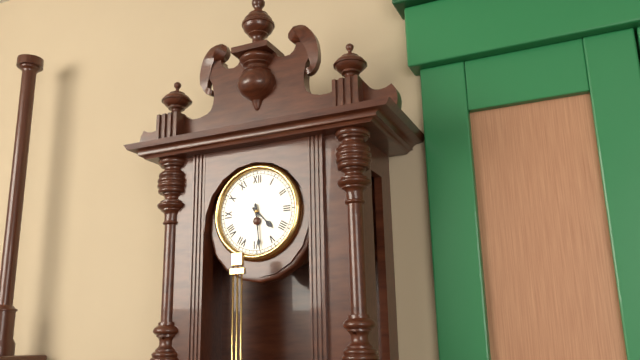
4h29
